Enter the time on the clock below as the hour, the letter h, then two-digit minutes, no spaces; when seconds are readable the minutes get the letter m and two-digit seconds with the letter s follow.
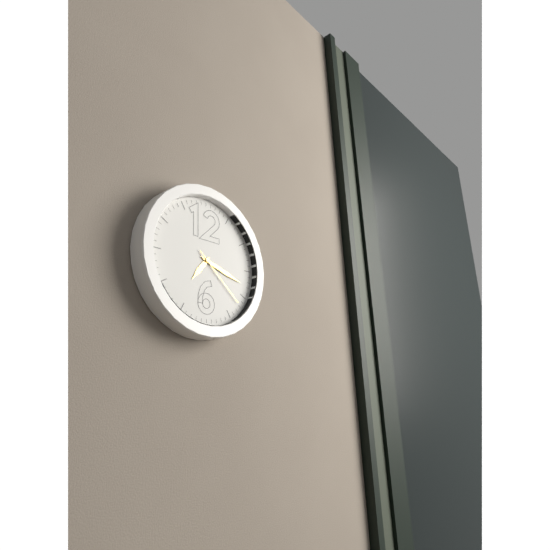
7h18m22s
